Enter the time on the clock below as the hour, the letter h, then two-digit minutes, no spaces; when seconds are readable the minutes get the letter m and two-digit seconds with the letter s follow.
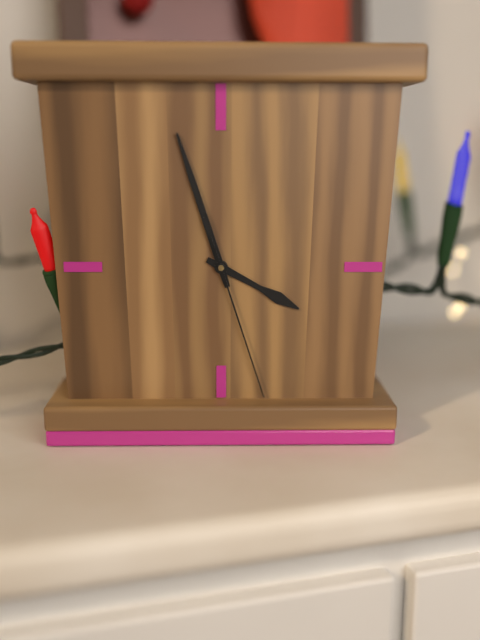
3h57m27s
